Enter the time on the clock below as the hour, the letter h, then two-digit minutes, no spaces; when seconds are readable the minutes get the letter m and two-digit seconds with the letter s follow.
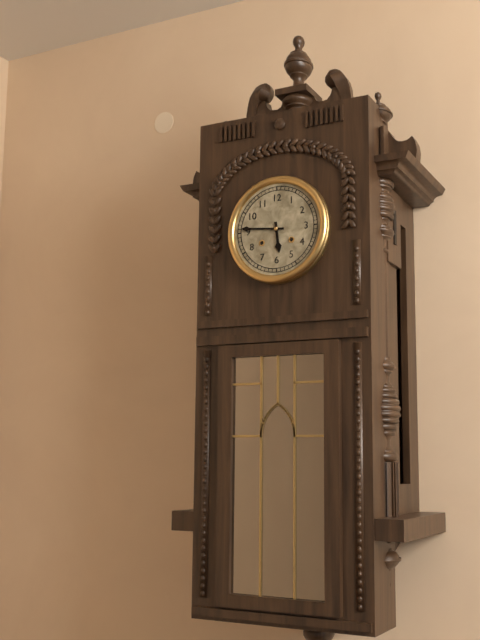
5h46
